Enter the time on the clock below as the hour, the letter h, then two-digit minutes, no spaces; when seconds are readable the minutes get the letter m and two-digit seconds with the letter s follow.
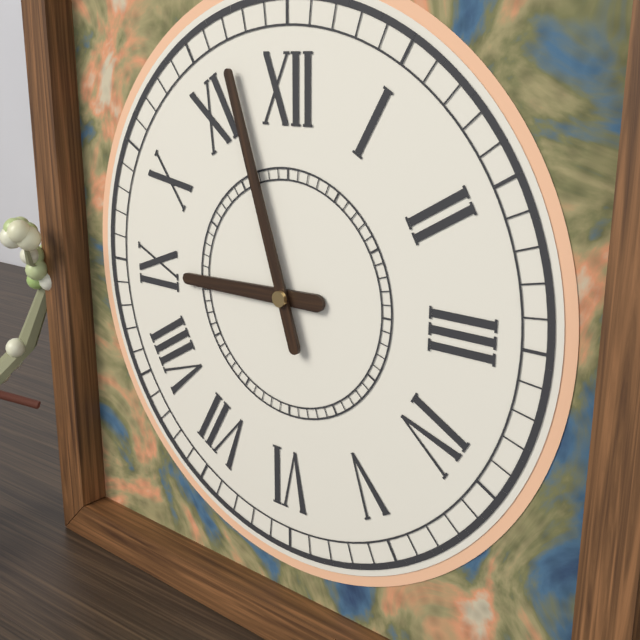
8h57
